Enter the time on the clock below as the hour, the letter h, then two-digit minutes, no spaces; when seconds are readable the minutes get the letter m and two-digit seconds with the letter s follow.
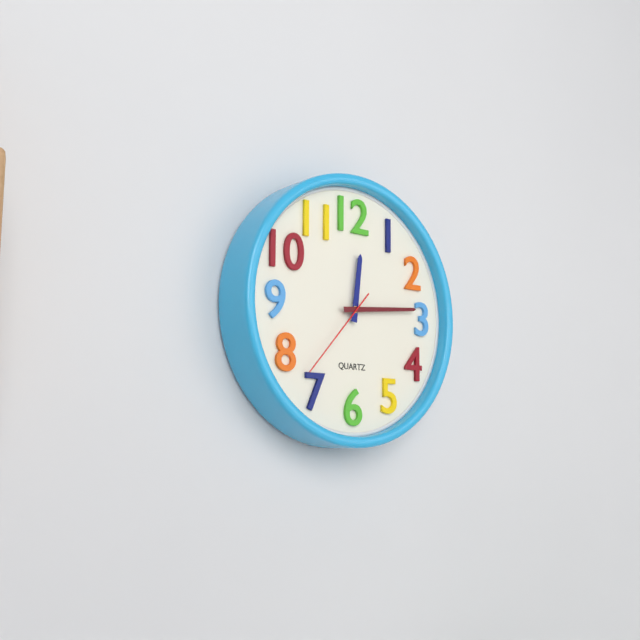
12h14m37s
